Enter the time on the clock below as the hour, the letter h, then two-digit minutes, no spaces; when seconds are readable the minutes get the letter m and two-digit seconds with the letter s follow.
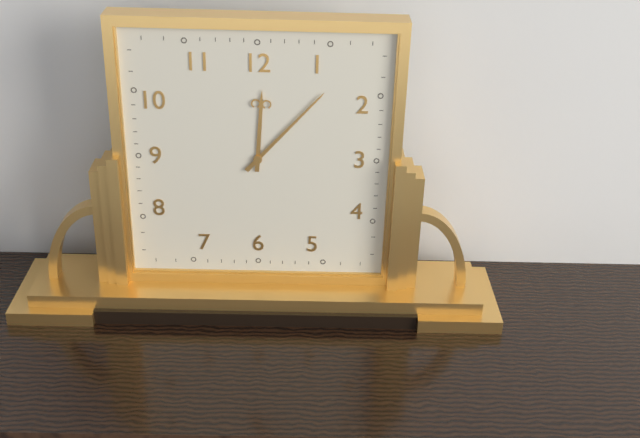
12h07
